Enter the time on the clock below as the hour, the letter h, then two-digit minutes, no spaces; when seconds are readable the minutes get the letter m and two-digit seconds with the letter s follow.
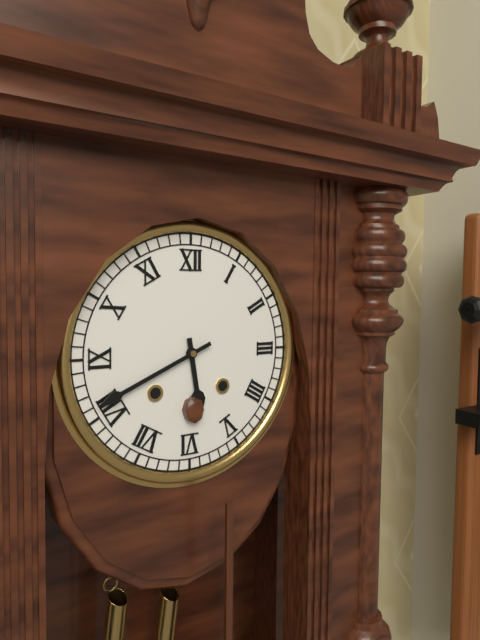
5h41
